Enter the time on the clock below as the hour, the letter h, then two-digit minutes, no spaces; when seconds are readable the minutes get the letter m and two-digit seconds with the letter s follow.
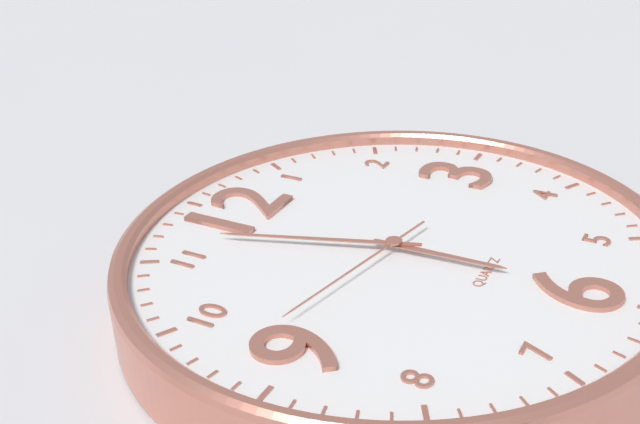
5h57m47s
